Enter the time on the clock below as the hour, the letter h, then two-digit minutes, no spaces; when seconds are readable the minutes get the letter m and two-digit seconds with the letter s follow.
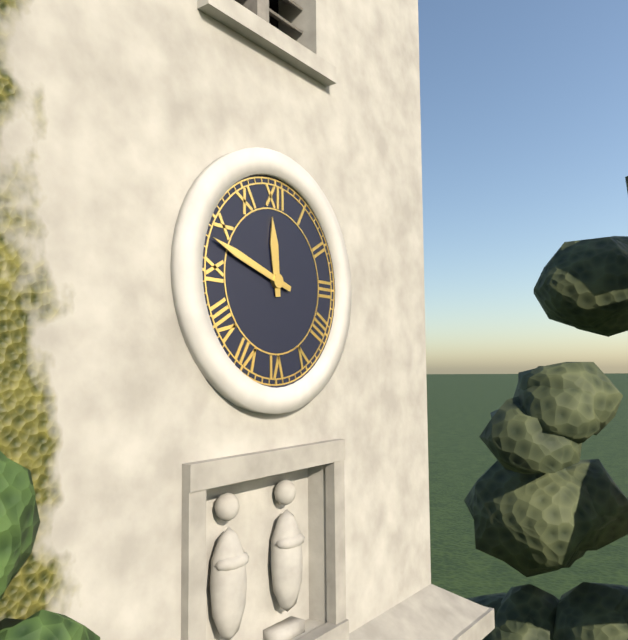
11h48
